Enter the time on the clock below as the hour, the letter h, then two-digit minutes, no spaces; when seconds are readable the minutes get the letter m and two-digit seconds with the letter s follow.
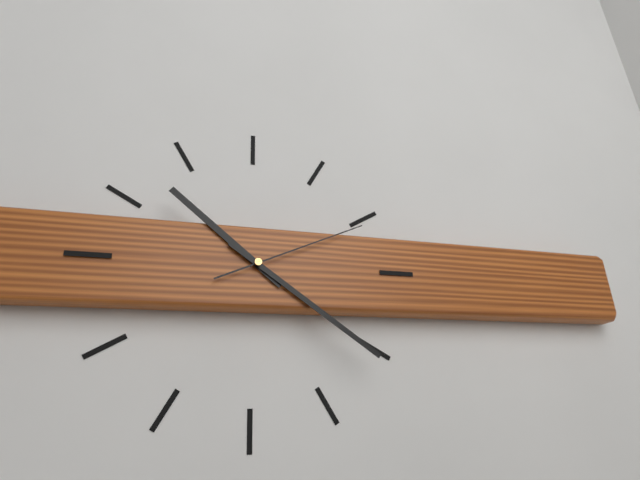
10h21m11s
